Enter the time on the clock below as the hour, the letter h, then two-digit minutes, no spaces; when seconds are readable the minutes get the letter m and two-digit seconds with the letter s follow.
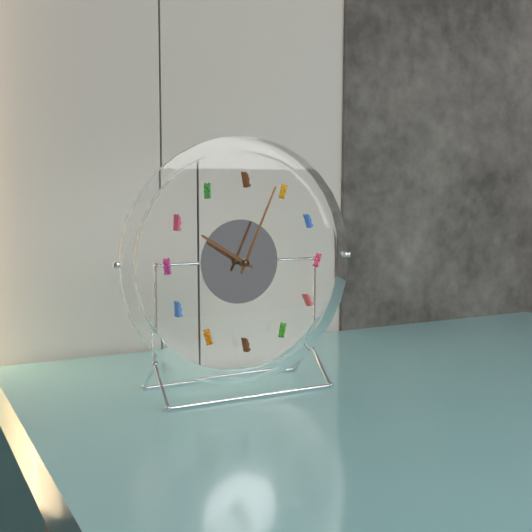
10h04
